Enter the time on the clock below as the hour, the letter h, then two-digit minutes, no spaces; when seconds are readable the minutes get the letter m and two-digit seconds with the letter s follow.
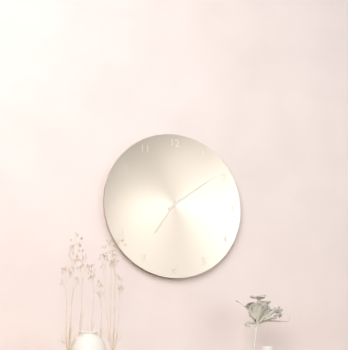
7h09
